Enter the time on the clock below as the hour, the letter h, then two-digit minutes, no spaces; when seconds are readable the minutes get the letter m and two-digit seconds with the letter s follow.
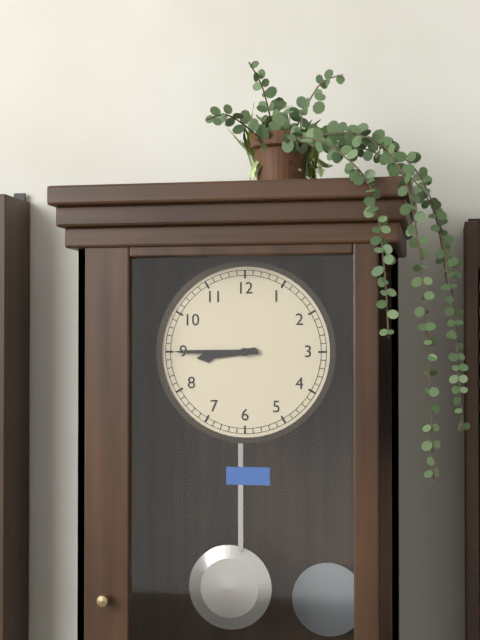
8h45
